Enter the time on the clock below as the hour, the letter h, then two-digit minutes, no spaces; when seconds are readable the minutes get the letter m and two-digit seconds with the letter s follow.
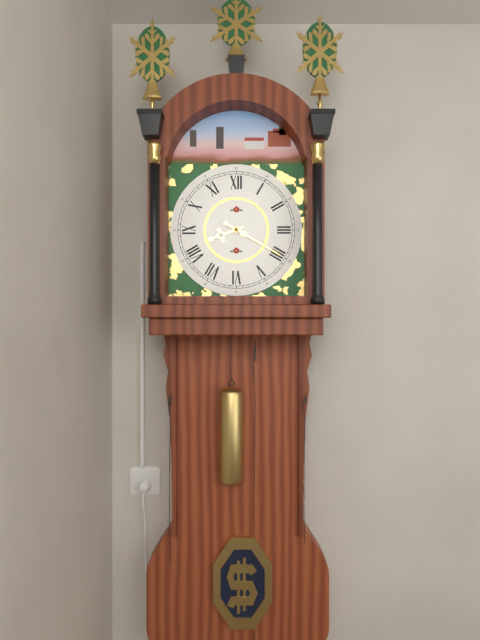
8h20
